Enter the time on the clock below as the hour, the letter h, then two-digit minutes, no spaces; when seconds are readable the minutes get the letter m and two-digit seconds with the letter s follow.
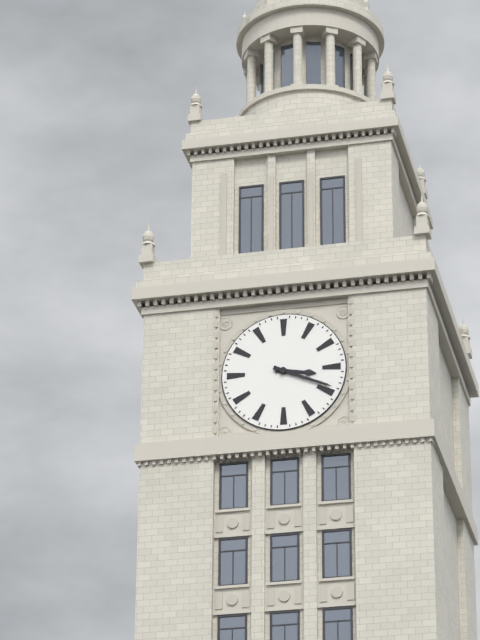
3h19
